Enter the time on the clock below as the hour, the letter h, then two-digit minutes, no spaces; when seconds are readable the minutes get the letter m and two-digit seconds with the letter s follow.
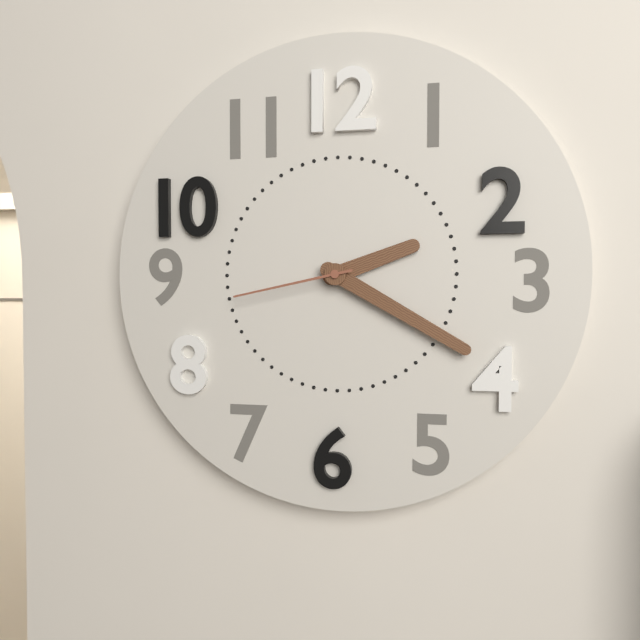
2h20m43s
